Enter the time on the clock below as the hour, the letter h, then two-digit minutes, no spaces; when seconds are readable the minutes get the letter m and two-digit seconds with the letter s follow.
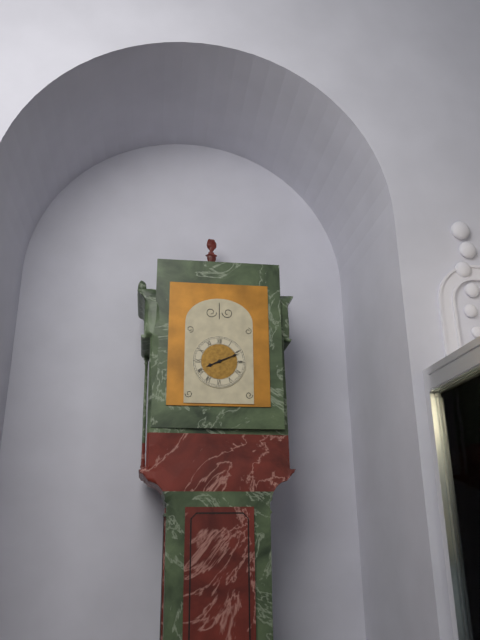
8h11
